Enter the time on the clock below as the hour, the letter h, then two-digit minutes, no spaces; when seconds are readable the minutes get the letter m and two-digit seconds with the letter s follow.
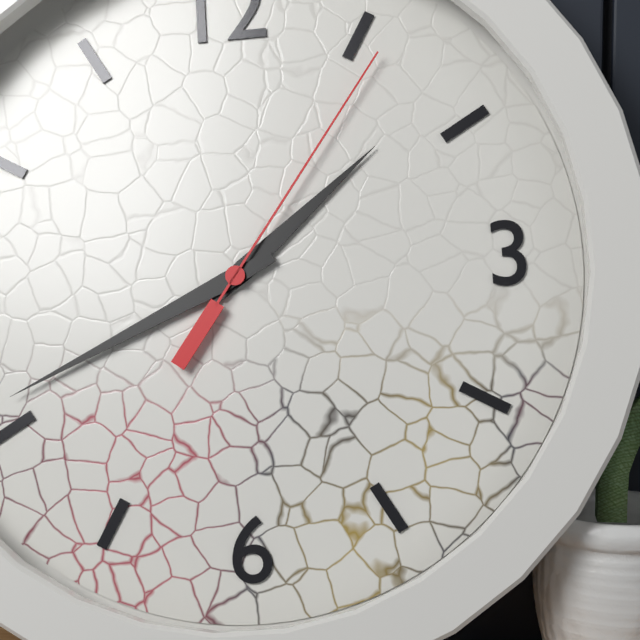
1h41m06s
